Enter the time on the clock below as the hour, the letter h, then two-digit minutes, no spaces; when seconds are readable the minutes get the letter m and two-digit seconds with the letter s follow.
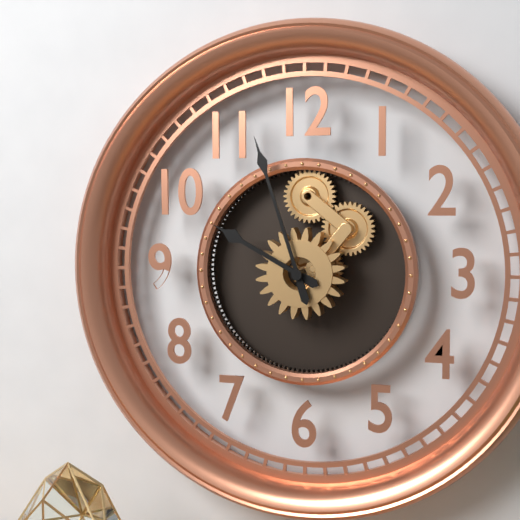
9h57
